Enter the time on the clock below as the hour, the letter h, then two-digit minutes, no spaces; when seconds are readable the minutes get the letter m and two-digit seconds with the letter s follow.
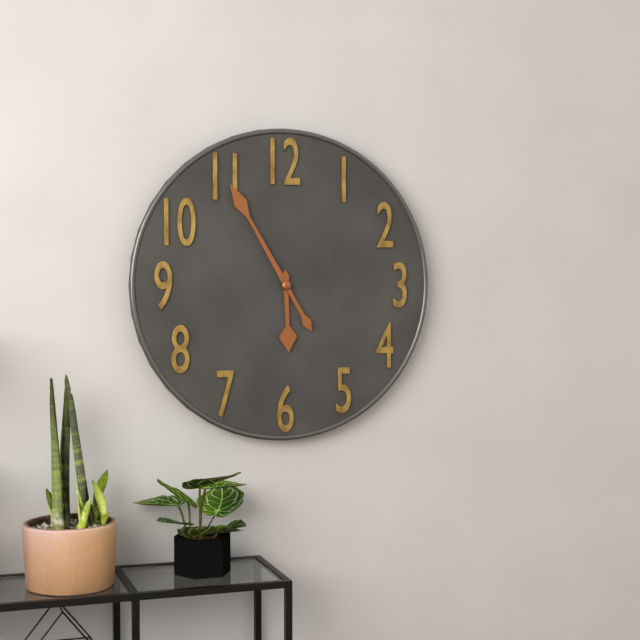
5h55
